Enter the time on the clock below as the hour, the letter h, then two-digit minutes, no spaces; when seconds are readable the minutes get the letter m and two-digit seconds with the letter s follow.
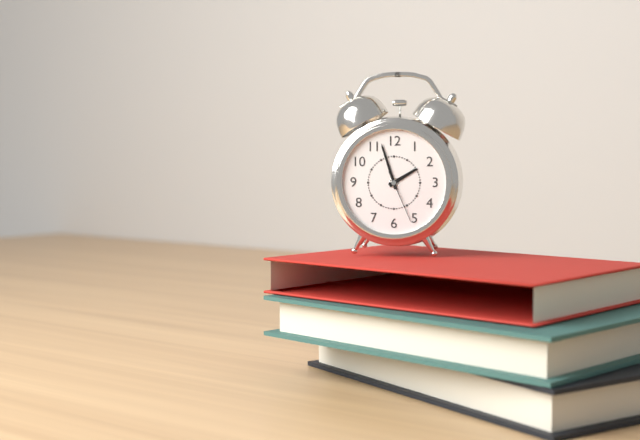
1h57m26s
